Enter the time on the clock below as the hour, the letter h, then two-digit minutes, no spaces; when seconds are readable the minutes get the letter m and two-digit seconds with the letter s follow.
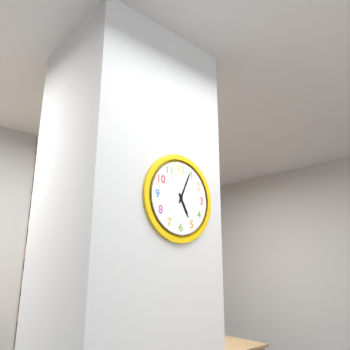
5h04
